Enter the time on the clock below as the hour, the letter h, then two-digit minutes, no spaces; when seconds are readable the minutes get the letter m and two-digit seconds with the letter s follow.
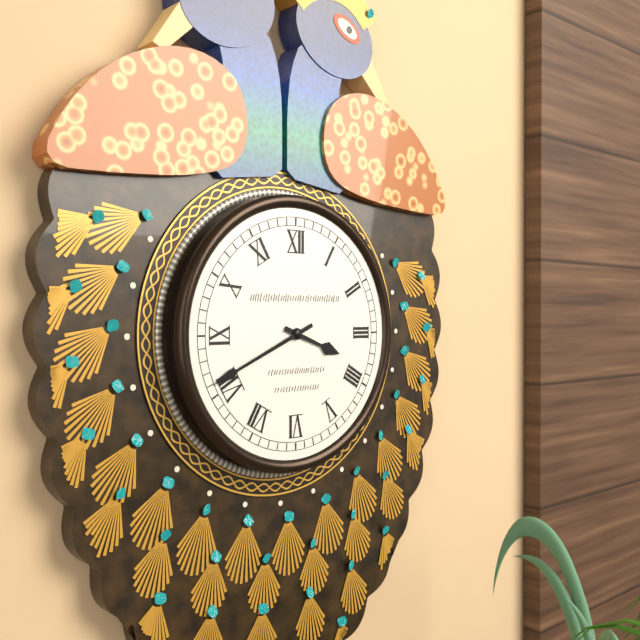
3h41
